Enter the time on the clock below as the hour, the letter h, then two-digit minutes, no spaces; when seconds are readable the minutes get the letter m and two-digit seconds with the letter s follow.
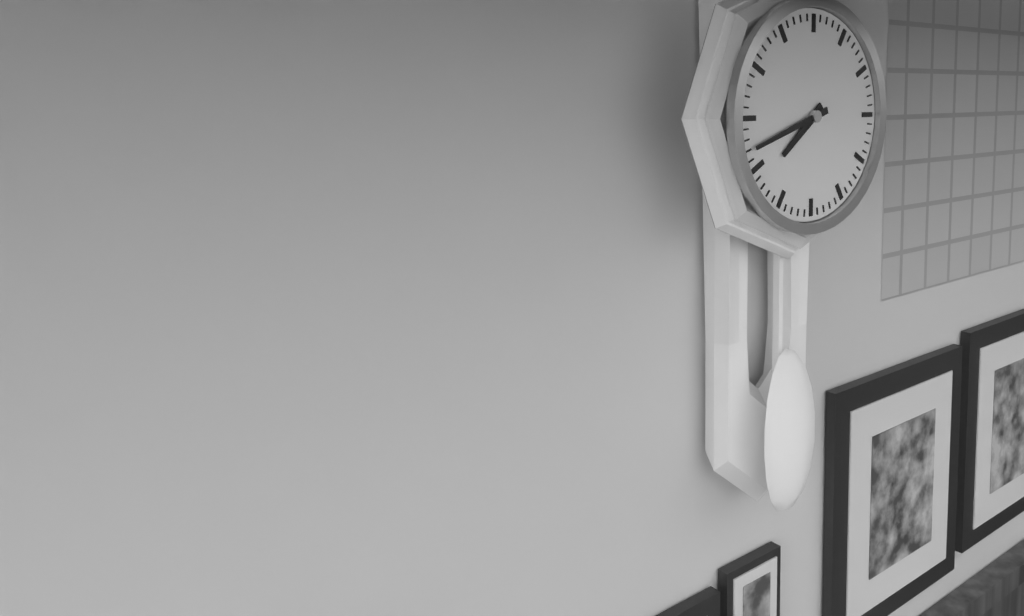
7h42
